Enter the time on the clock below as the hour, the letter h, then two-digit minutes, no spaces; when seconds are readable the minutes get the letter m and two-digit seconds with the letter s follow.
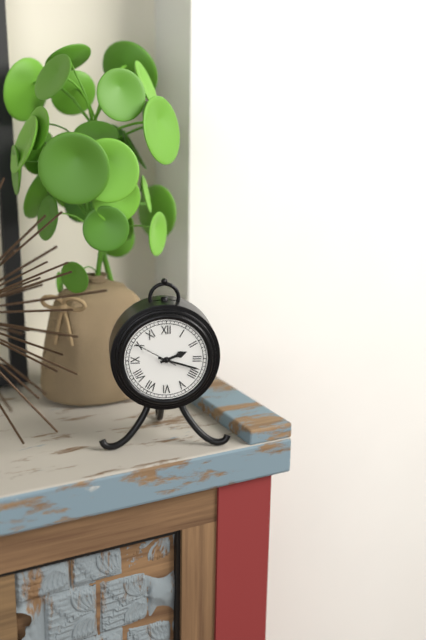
2h18
